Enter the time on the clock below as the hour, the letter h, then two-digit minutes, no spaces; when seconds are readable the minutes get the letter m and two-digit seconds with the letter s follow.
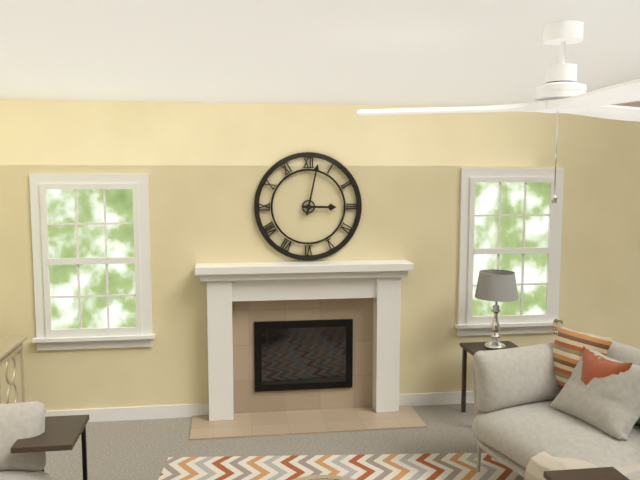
3h02
